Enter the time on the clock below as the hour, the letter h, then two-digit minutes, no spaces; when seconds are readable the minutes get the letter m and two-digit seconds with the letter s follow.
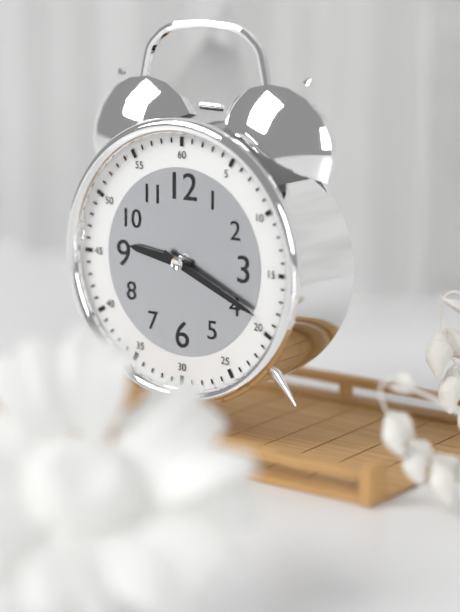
9h19
